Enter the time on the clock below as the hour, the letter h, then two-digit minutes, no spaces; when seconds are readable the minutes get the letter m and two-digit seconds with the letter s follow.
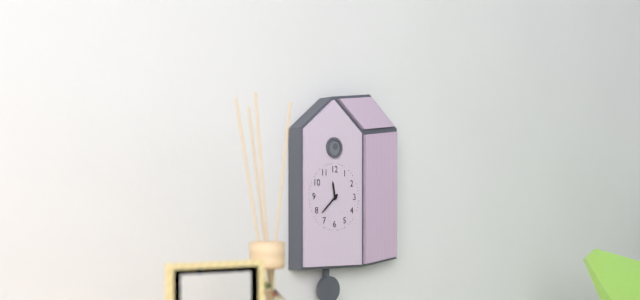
11h38
